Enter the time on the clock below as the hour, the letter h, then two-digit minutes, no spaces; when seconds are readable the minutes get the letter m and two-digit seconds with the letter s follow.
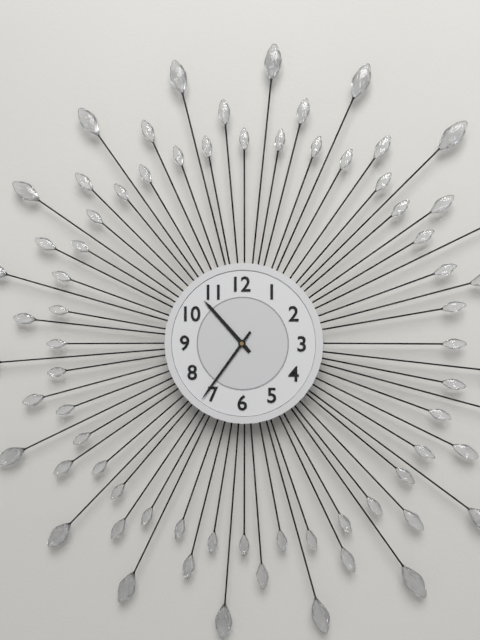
10h36
